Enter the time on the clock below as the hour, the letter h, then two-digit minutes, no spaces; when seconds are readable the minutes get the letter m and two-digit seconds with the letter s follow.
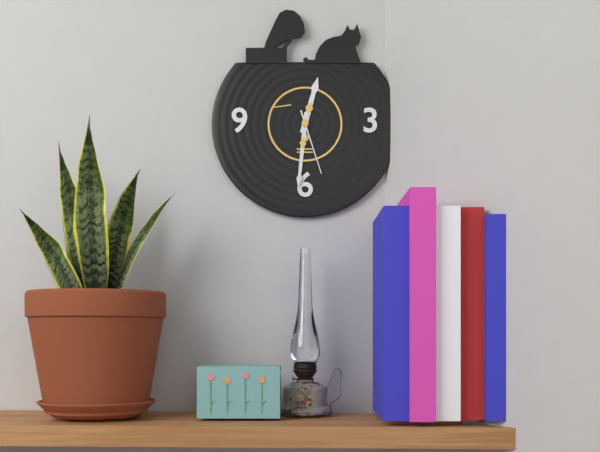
12h31m27s
